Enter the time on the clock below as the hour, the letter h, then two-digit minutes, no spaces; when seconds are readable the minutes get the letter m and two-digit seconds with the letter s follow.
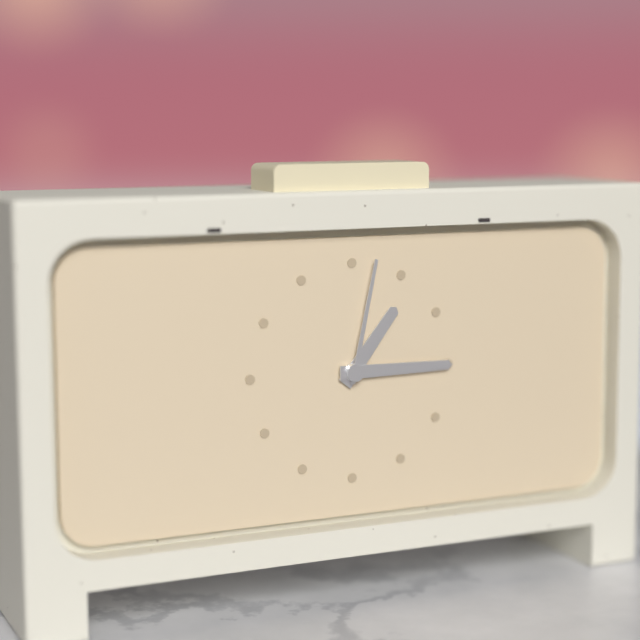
1h15m02s
